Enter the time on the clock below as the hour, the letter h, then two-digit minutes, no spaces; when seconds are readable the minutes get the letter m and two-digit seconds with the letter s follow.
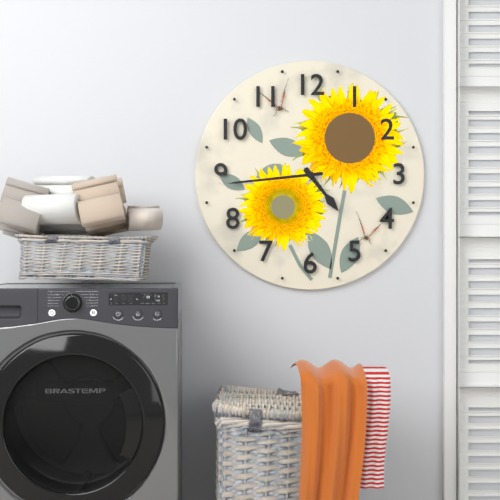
4h44
